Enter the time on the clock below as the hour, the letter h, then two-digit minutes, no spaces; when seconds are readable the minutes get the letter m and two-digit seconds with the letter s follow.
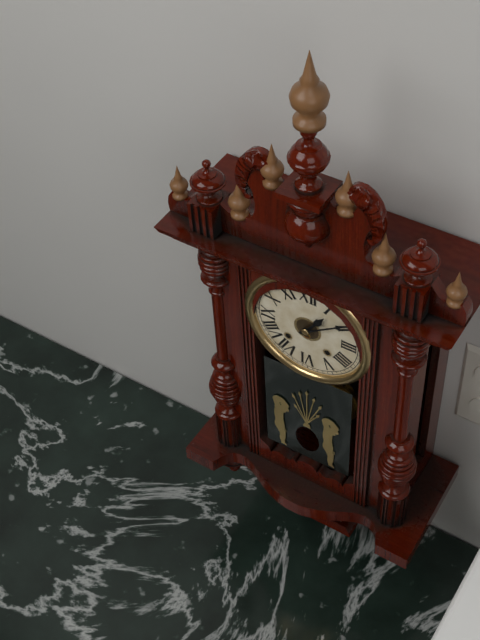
1h09
